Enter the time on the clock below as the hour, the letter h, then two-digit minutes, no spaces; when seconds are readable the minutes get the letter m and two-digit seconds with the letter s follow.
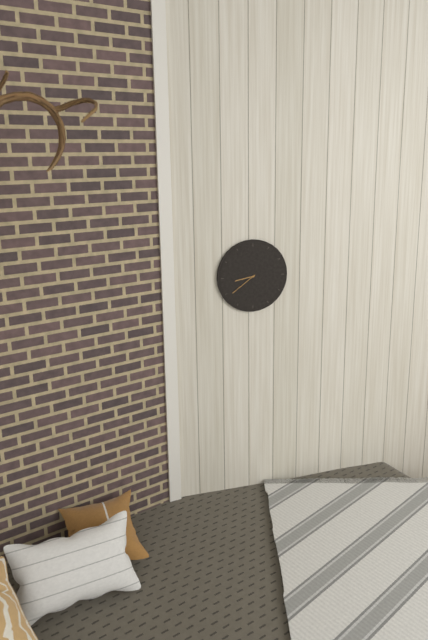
8h39
